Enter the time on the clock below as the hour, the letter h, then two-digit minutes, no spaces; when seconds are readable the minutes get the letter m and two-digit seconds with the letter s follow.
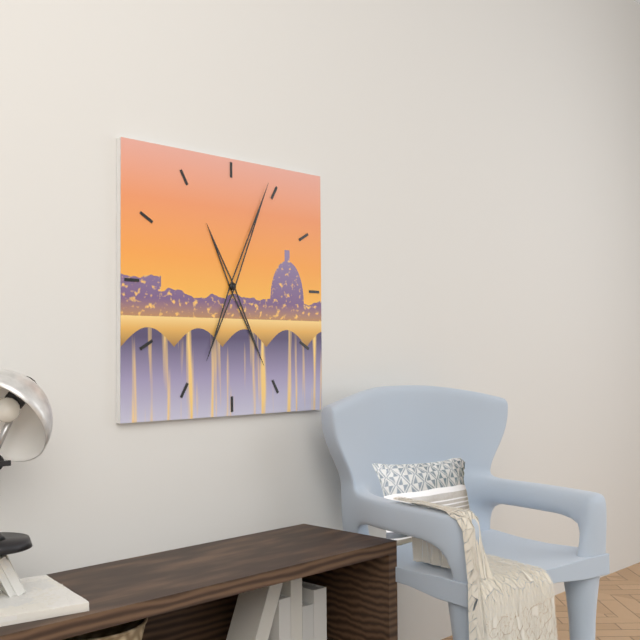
5h04
